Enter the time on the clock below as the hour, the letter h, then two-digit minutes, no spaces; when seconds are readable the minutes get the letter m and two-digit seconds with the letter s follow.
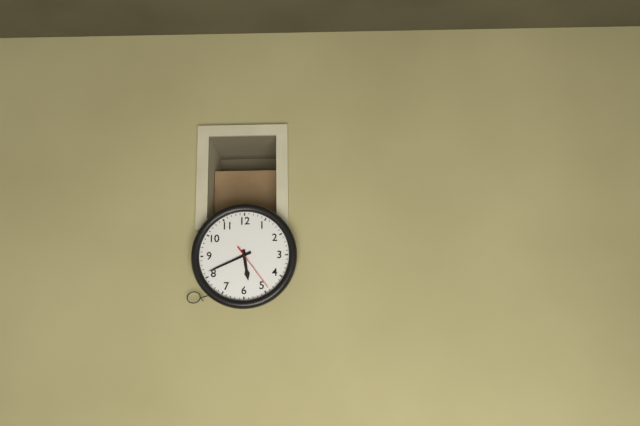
5h41m24s
